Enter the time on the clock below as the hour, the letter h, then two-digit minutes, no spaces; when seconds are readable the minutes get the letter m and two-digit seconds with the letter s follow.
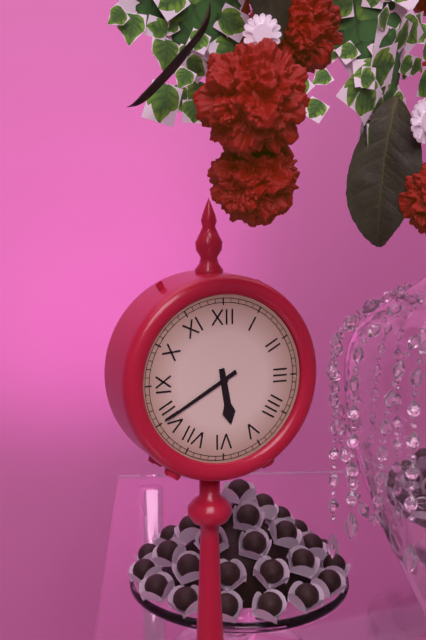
5h40
